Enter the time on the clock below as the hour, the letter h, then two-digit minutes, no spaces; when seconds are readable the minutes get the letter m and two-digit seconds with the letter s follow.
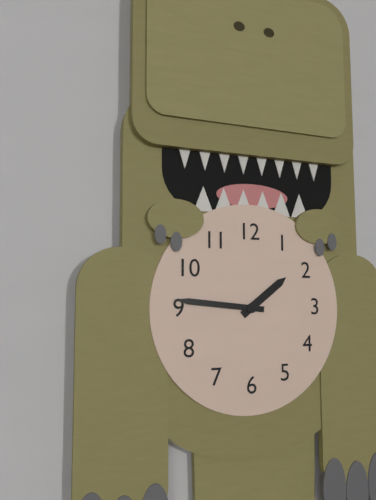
1h46
